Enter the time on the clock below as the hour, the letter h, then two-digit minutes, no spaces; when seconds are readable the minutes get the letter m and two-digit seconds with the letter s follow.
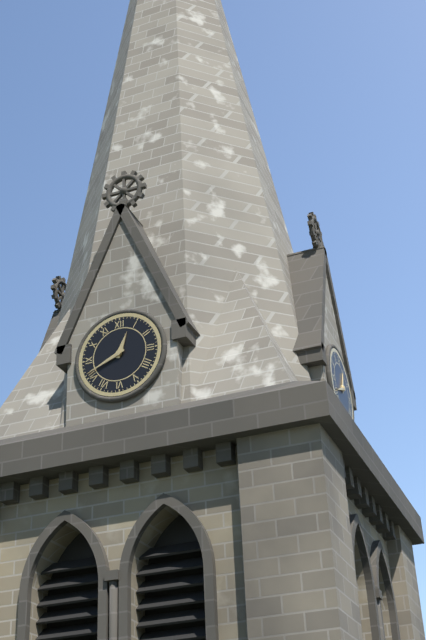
12h41
